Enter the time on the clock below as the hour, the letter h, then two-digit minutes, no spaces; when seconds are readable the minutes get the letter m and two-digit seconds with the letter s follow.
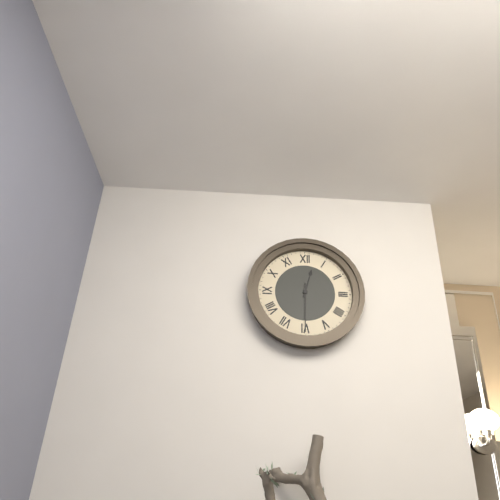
12h30
